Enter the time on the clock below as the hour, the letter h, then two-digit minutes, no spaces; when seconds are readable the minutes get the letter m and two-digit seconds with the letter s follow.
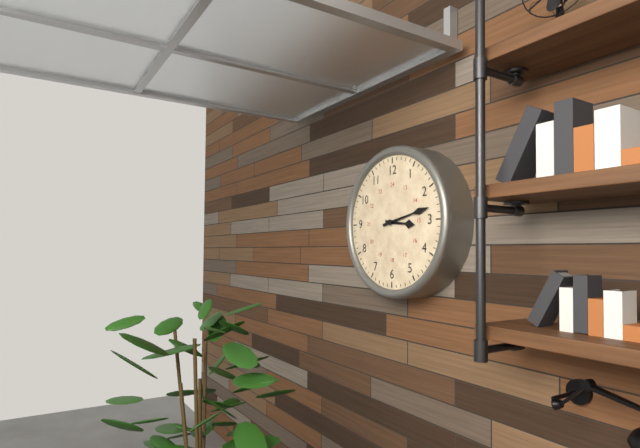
3h13
